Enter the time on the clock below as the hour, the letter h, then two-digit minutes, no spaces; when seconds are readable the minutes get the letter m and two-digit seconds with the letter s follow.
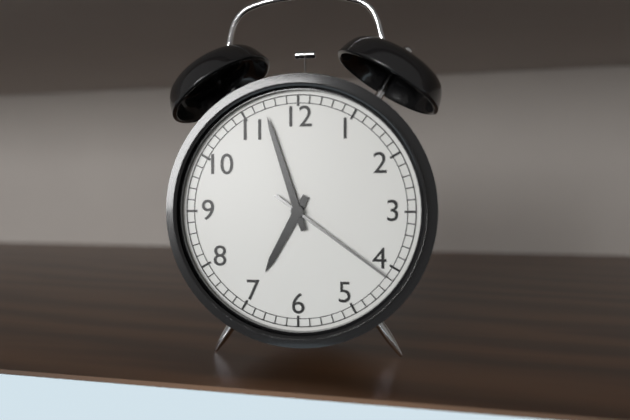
6h57m21s
